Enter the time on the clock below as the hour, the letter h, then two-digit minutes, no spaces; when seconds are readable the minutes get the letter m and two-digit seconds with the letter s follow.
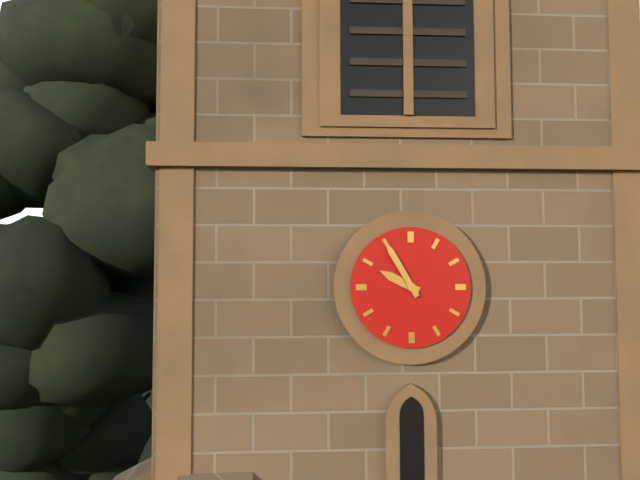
9h55
